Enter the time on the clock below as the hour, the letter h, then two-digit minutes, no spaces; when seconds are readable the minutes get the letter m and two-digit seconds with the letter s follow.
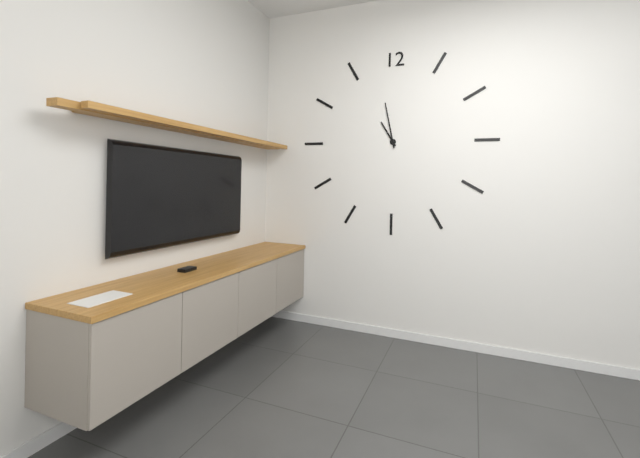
10h58
